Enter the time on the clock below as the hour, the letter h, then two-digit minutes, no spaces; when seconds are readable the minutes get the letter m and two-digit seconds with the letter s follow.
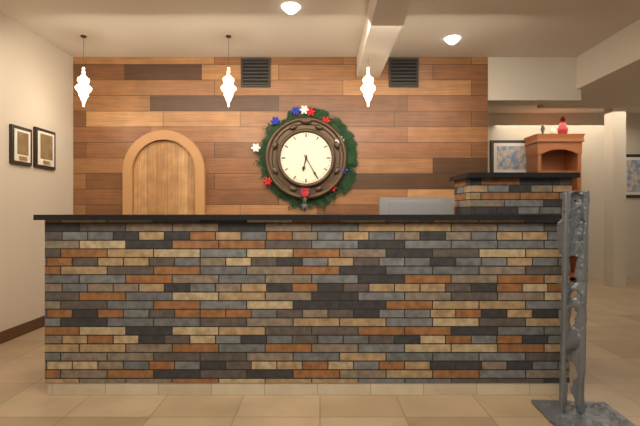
6h25
